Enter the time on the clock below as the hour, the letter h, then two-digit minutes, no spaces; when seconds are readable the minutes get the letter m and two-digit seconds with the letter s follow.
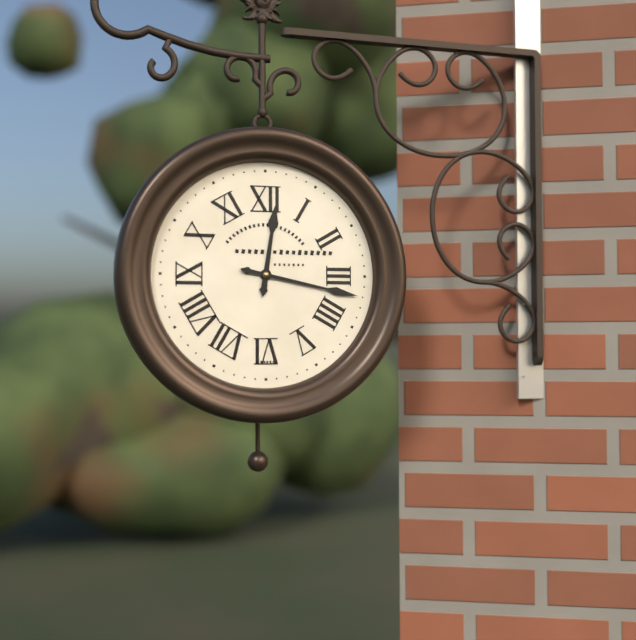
12h17
